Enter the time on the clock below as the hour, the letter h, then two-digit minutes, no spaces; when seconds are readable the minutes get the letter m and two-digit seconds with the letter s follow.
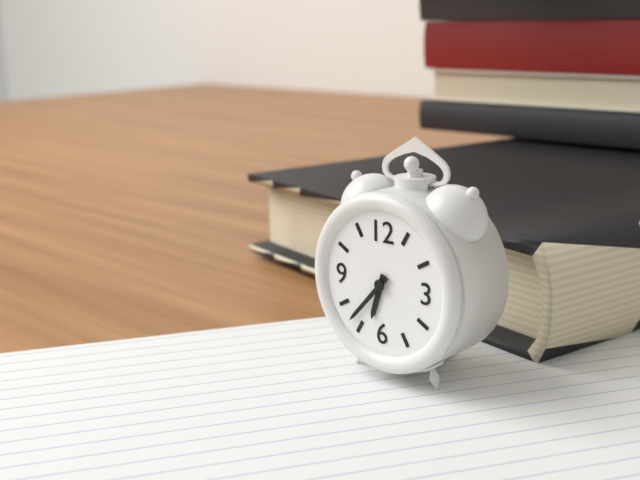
6h37
